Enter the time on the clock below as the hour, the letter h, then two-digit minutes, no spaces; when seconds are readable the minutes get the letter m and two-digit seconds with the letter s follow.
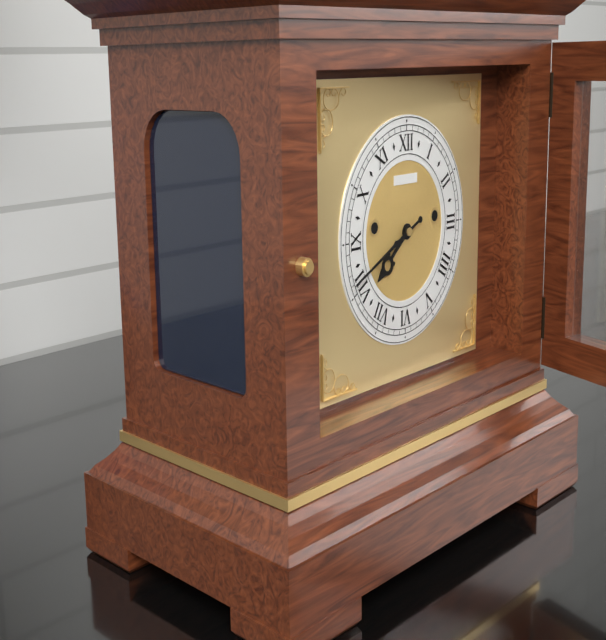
7h41
